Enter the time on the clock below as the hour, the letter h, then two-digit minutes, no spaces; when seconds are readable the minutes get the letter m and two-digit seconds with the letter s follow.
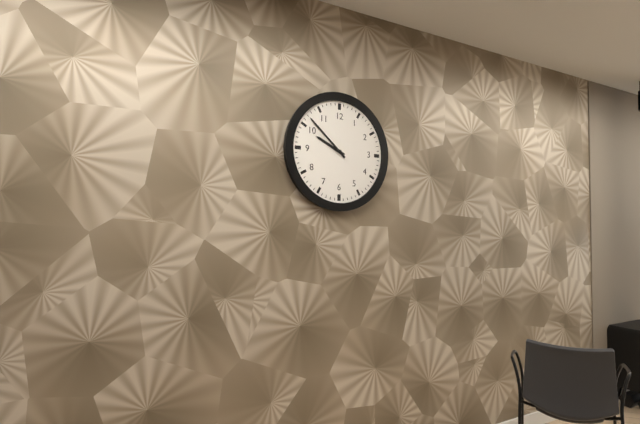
9h52
